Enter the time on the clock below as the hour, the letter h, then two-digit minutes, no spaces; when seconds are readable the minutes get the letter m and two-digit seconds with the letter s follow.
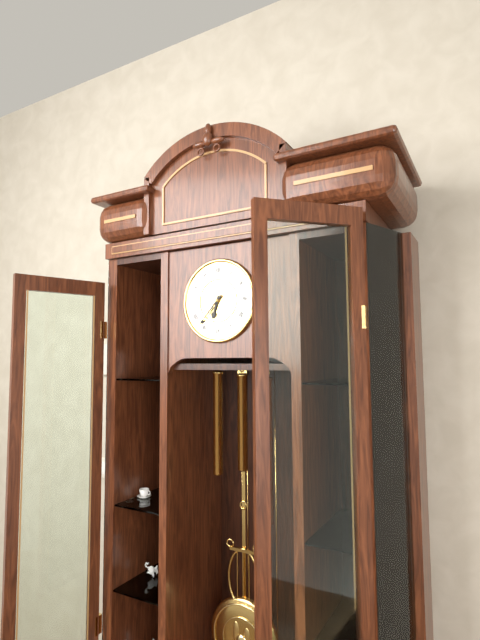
6h37
